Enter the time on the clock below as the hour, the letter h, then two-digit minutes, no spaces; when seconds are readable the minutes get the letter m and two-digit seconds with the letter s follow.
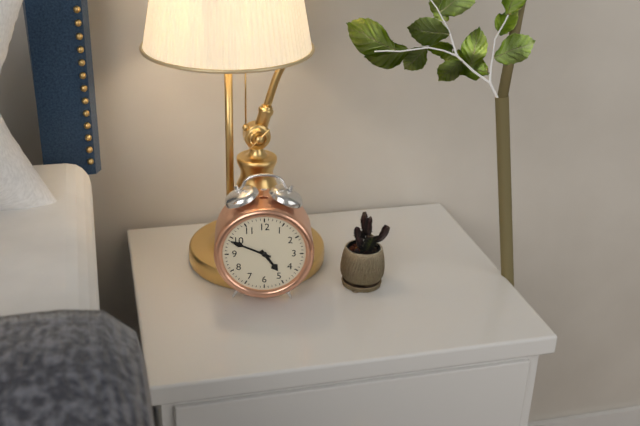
4h49
